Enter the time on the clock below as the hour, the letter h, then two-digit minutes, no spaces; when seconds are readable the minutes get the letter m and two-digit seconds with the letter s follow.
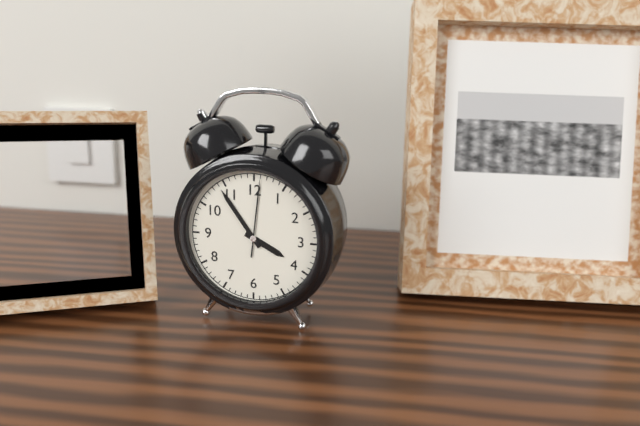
3h54m01s
